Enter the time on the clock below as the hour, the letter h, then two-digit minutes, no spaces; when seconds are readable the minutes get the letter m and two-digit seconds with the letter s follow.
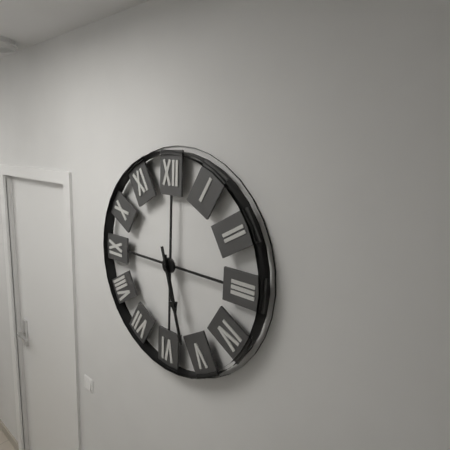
5h27
